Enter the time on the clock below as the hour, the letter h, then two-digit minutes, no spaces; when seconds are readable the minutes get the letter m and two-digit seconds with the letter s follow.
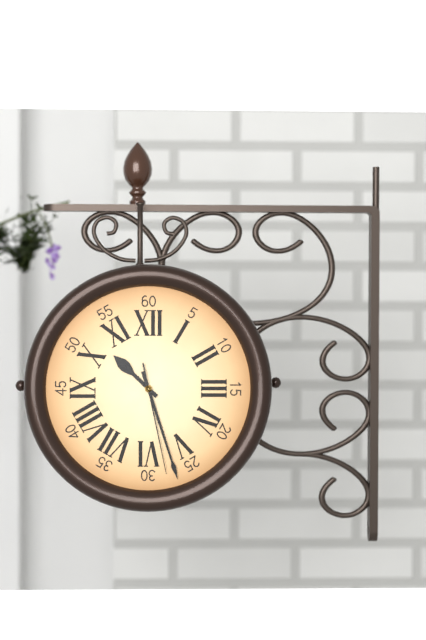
10h27m28s
